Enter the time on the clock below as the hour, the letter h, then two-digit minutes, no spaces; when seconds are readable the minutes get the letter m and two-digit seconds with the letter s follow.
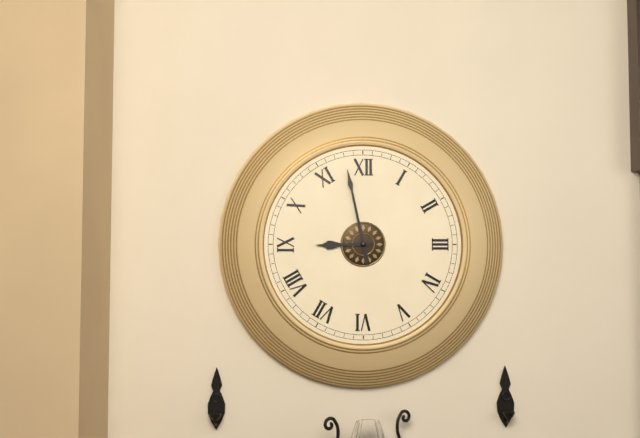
8h58
